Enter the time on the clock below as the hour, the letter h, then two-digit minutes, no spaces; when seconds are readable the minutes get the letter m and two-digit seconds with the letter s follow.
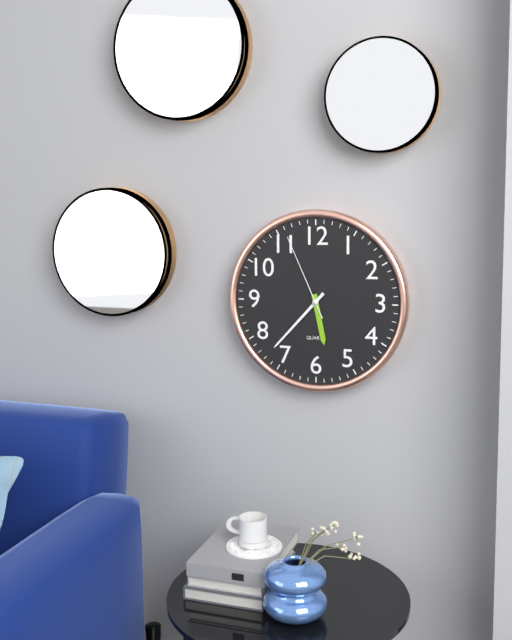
5h37m56s
